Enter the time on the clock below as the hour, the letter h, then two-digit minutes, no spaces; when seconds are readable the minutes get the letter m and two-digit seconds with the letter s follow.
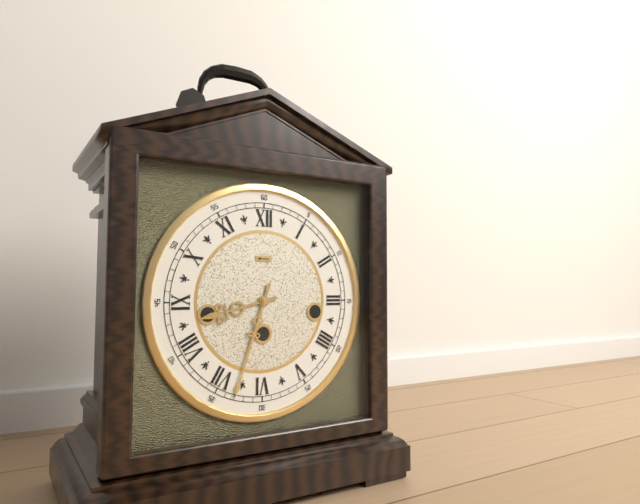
8h33
